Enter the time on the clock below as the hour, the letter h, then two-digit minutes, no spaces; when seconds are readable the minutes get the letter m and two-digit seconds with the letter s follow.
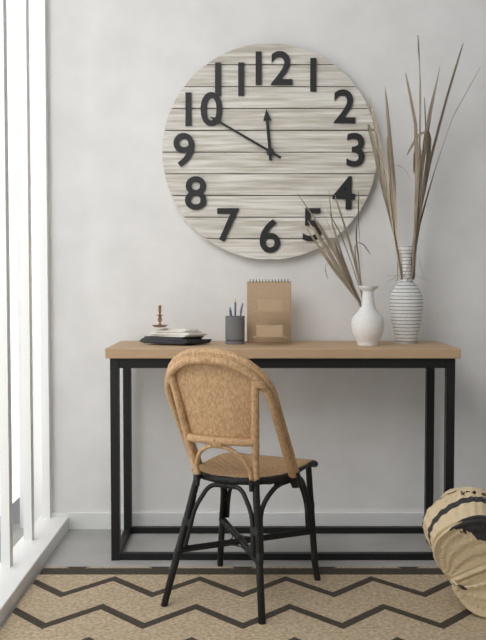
11h50
